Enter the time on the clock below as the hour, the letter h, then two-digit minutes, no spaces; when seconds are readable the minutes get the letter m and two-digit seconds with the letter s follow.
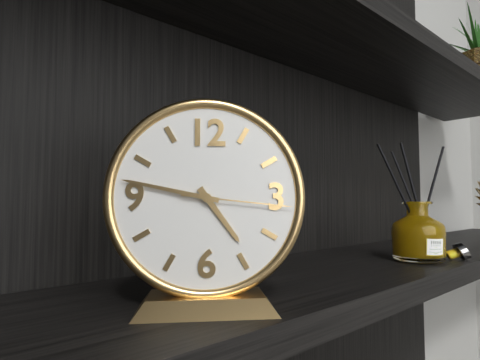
4h47m16s
